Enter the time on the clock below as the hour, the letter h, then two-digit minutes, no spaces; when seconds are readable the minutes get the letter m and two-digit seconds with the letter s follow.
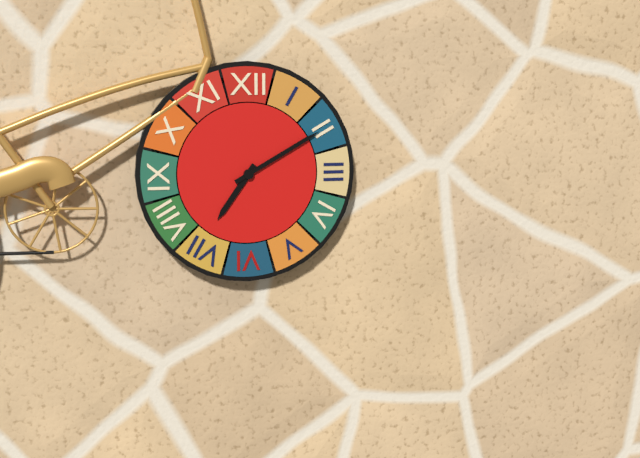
7h10
